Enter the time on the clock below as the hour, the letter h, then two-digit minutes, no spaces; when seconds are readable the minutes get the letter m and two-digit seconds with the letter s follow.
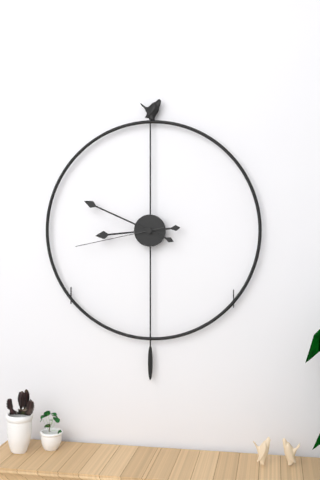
8h49m43s
